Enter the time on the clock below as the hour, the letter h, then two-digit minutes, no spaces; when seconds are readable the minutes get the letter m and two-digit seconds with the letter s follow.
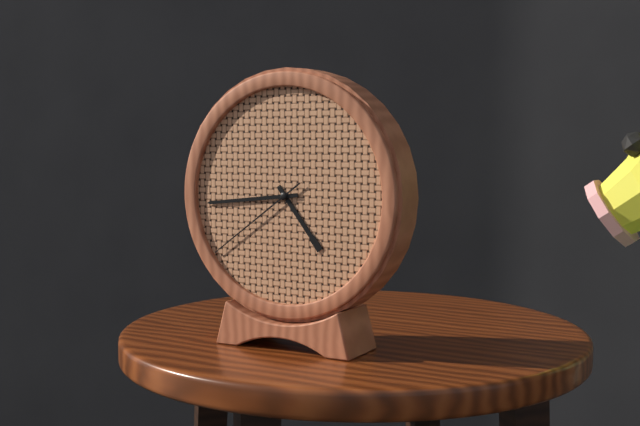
4h44m39s
